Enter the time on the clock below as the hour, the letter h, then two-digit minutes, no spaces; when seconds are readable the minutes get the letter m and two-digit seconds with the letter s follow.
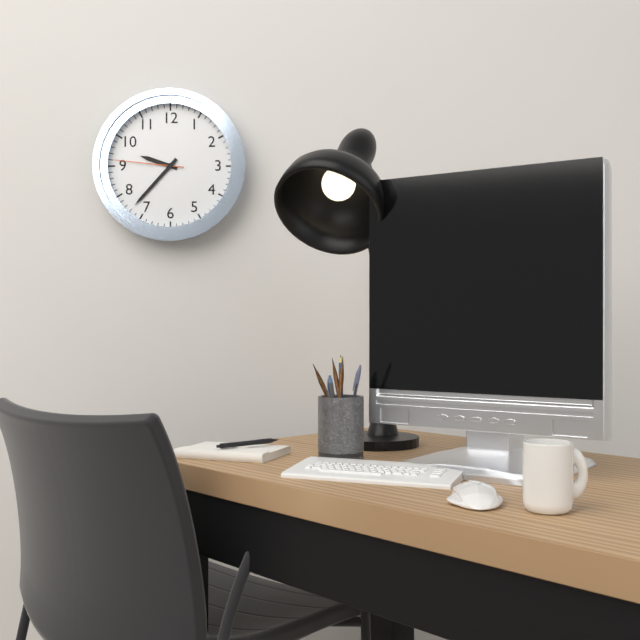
9h37m46s
